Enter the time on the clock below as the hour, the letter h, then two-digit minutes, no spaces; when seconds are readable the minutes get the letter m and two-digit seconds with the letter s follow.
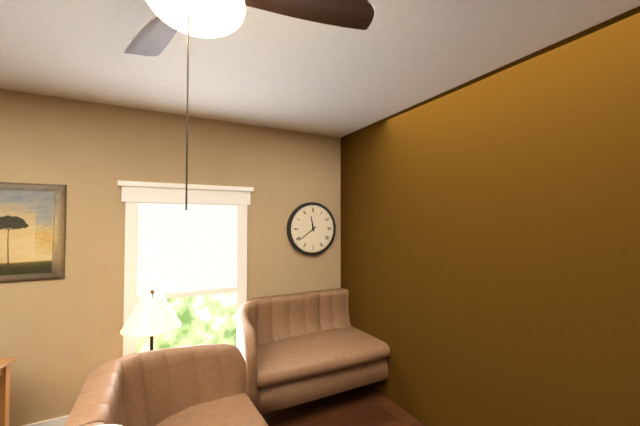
11h39
